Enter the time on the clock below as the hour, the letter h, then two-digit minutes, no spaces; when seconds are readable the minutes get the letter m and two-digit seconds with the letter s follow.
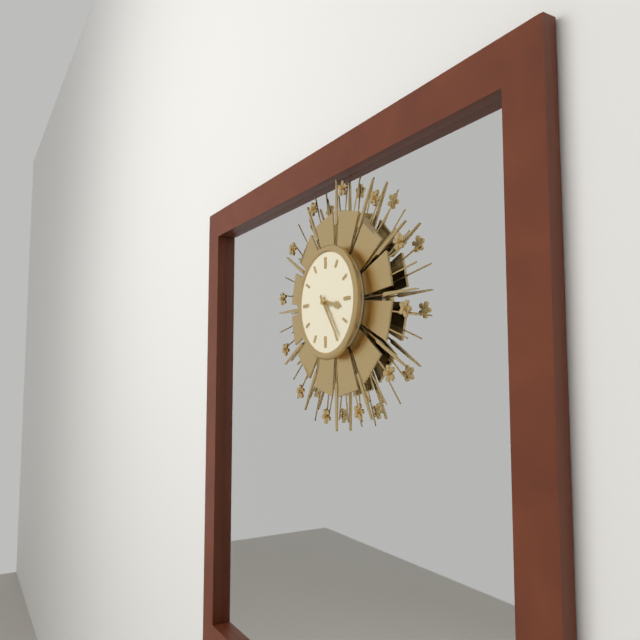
3h24
